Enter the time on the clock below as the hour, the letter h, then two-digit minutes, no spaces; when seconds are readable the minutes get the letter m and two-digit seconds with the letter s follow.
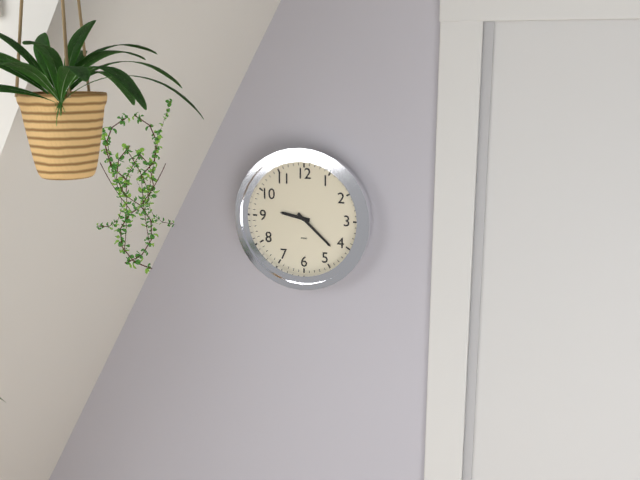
9h22
